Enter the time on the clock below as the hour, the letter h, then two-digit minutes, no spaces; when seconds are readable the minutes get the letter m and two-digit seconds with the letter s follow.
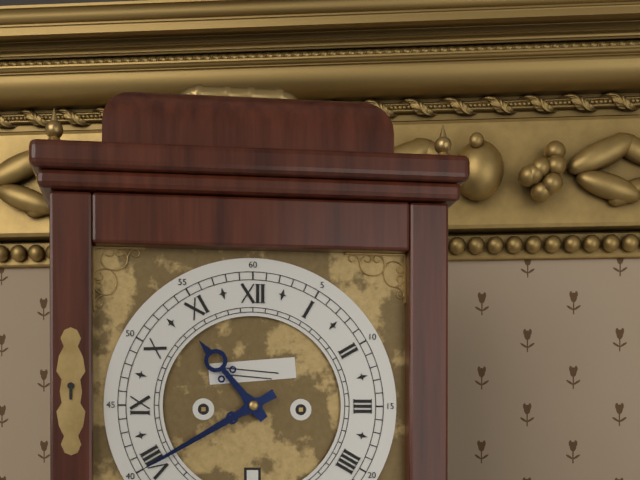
10h40
